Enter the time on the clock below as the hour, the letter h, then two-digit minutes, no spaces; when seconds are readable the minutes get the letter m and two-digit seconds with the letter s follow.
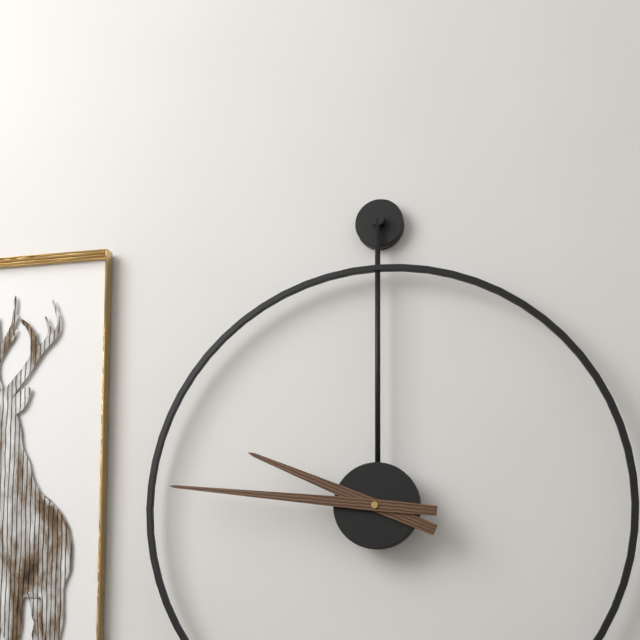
9h46
